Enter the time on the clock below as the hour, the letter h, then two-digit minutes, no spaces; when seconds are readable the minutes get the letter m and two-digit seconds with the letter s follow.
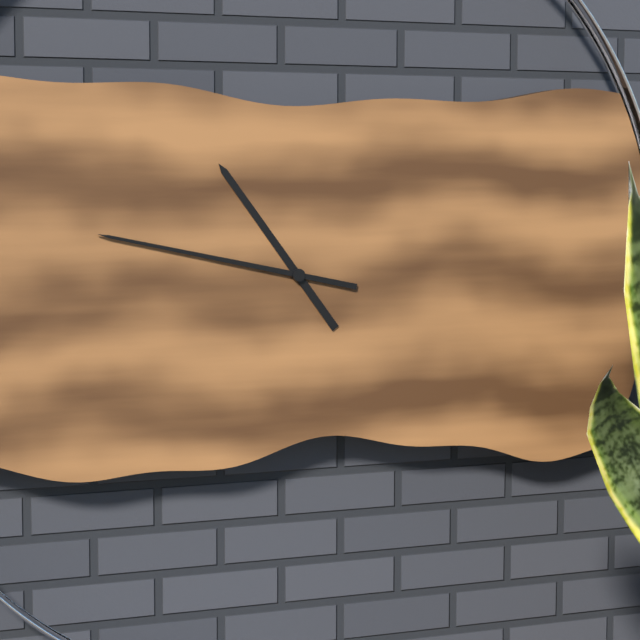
10h47
